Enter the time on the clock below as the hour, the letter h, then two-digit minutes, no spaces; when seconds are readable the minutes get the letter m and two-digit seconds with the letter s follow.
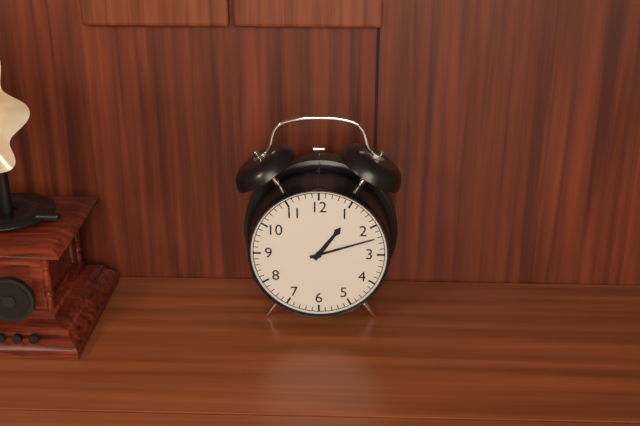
1h12
